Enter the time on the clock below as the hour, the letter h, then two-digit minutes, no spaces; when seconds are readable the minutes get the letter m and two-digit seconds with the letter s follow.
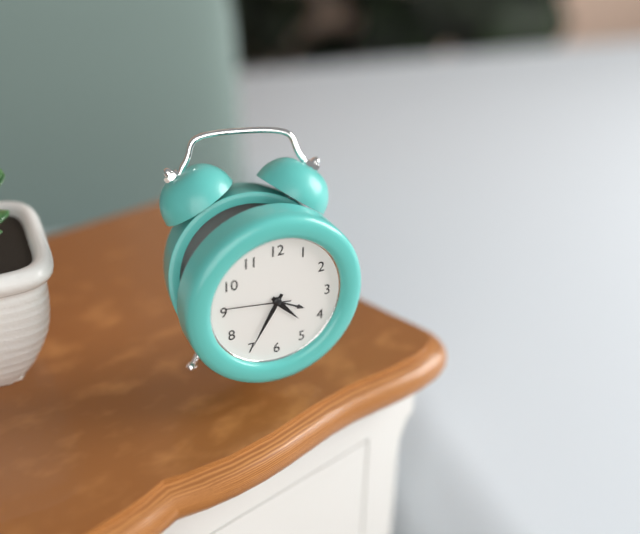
4h35m46s
